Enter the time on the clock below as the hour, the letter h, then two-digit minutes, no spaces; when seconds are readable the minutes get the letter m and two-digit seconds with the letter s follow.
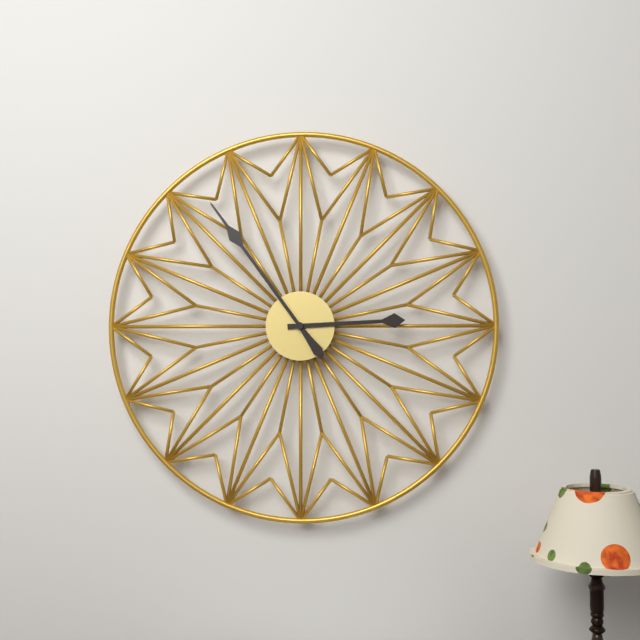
2h54
